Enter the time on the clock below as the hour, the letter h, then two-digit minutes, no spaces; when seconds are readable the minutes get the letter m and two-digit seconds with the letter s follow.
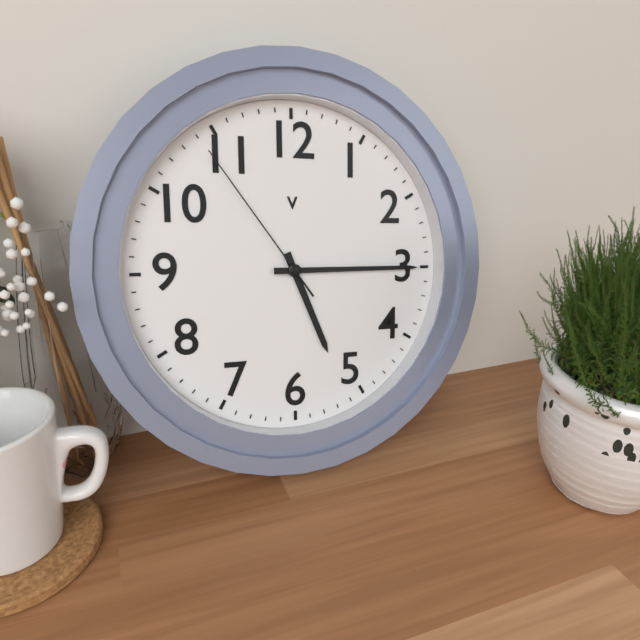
5h15m54s
